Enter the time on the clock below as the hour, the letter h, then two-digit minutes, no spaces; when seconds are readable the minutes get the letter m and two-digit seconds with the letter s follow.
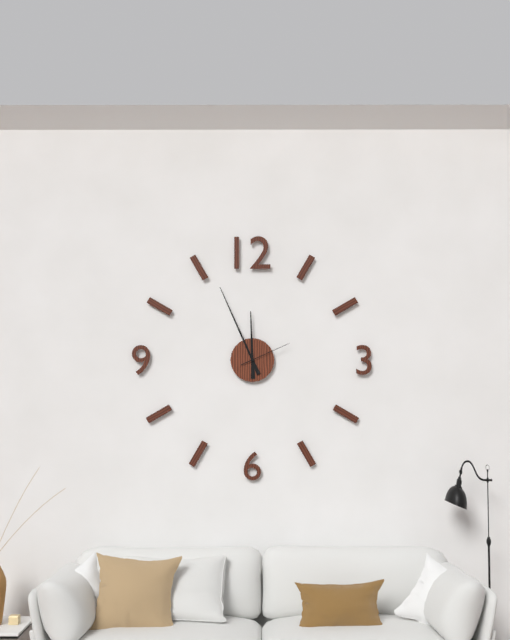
11h56m11s
